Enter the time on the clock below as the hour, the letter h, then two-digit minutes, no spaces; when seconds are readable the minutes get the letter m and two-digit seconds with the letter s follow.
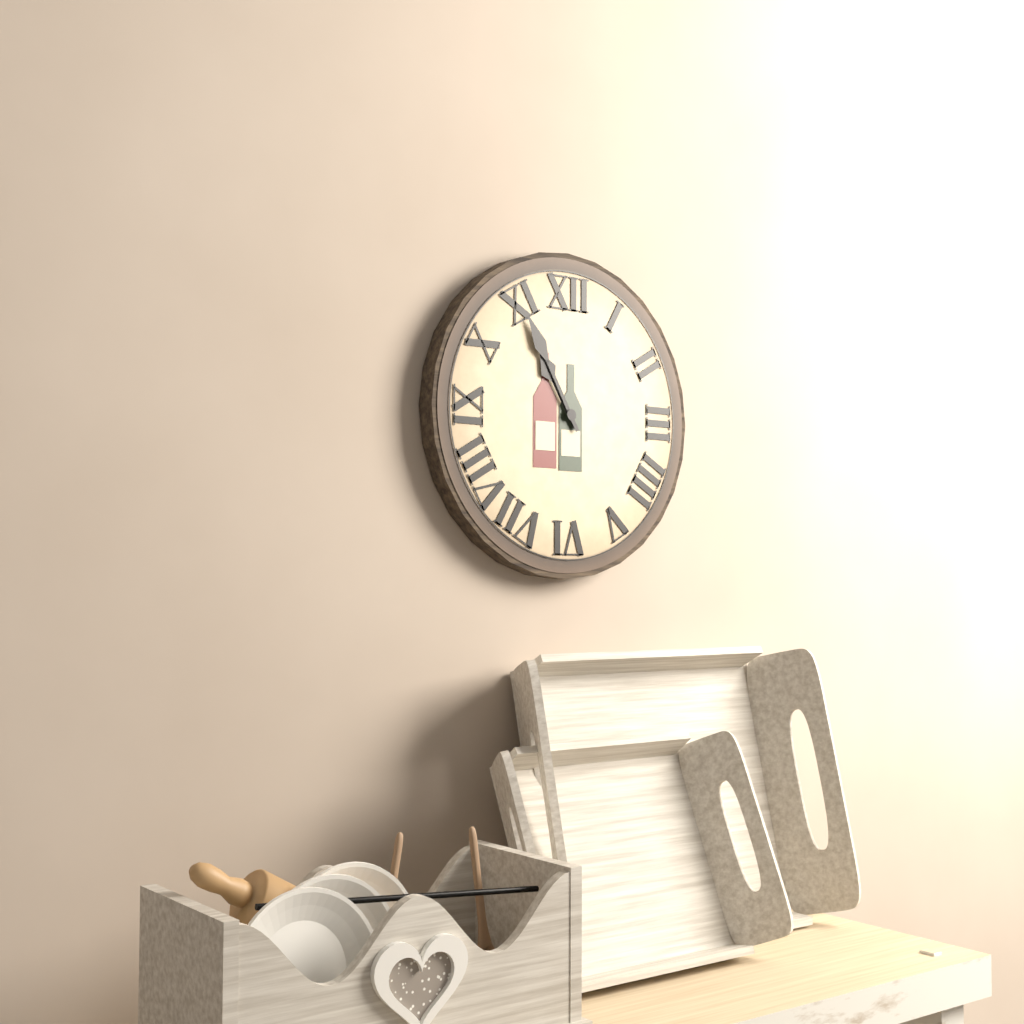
10h55
